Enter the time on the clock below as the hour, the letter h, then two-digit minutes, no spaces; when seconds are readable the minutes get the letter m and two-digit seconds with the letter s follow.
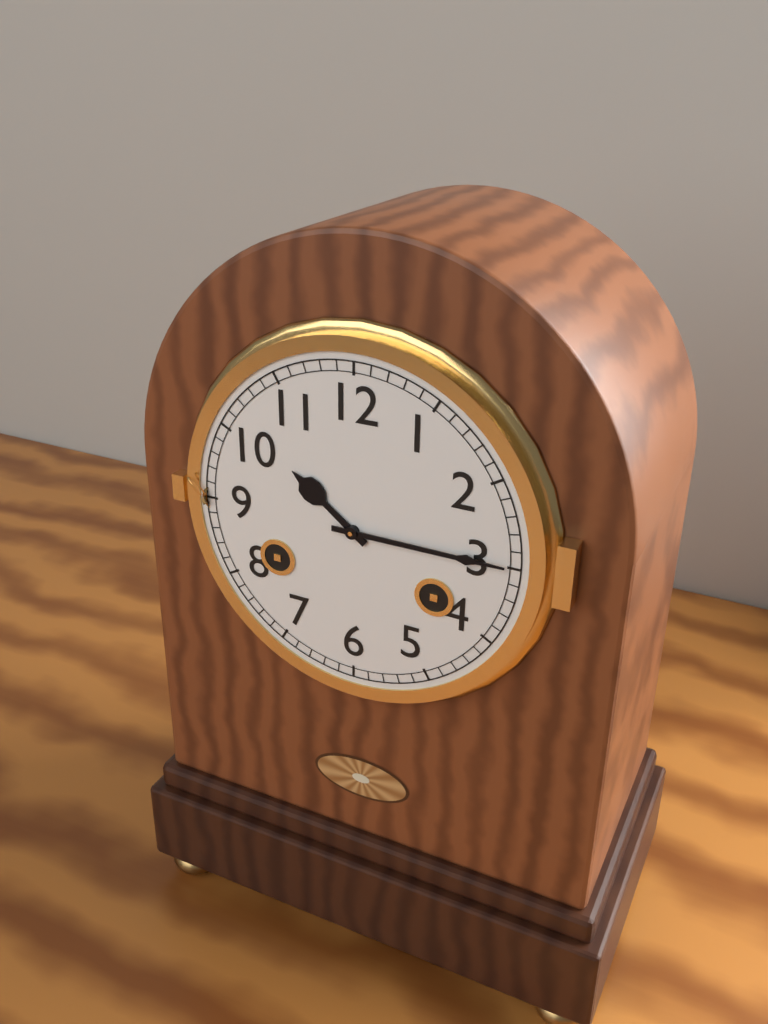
10h15
